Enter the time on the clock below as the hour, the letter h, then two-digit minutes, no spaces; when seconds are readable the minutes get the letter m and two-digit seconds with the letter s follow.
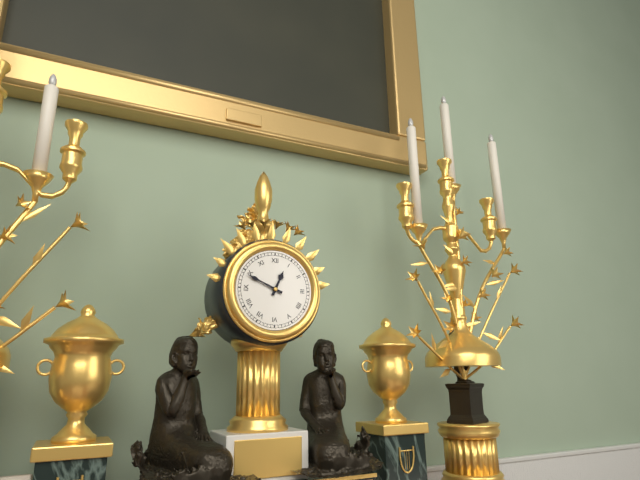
12h49
